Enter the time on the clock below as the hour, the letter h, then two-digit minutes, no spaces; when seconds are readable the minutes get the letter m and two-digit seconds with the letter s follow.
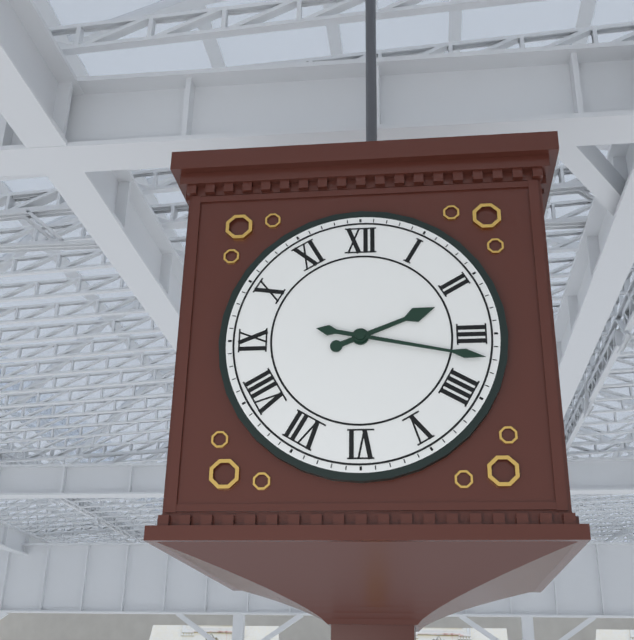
2h17
